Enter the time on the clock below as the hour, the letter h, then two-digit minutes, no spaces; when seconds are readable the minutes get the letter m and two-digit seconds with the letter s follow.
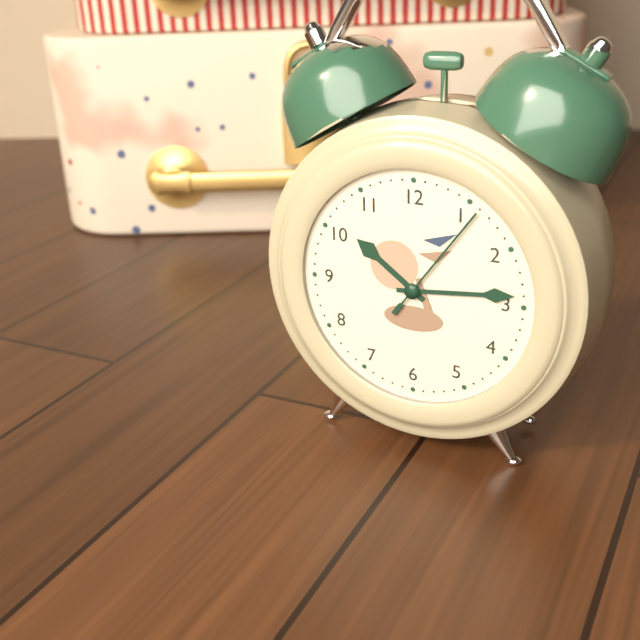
10h14m06s
